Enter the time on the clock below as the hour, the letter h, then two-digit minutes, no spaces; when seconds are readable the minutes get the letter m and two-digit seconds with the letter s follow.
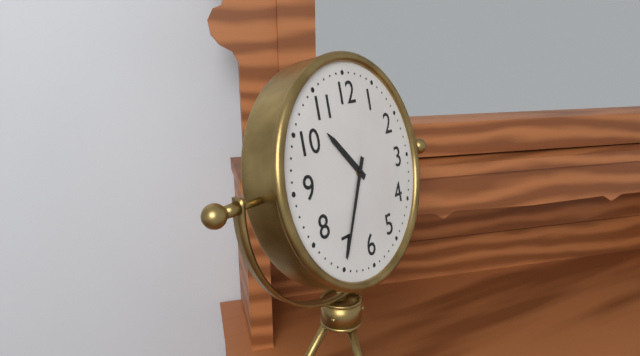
10h35
